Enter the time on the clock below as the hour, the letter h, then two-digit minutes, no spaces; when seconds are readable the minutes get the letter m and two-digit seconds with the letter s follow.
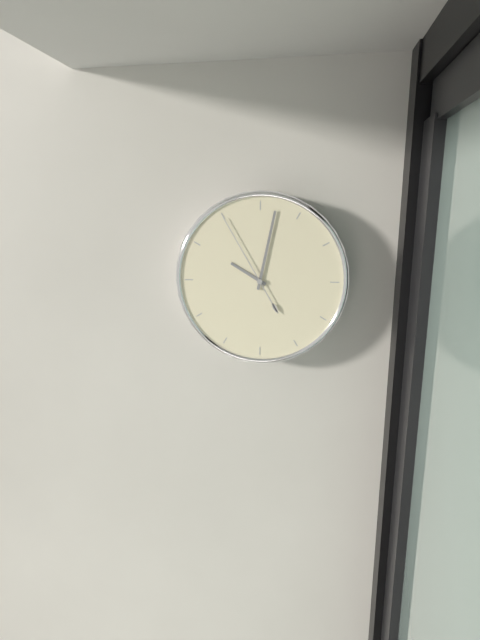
10h02m55s
